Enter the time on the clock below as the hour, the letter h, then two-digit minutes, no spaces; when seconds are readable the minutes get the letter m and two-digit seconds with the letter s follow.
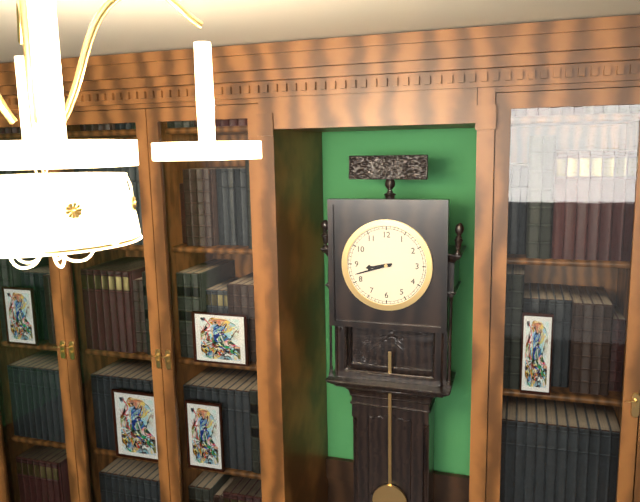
8h42
